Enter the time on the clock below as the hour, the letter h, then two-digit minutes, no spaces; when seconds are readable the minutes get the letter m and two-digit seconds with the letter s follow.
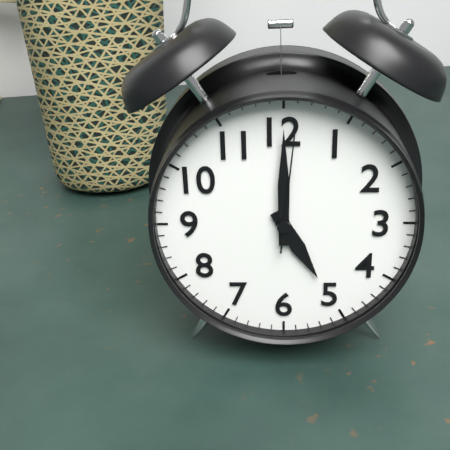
5h00m01s
